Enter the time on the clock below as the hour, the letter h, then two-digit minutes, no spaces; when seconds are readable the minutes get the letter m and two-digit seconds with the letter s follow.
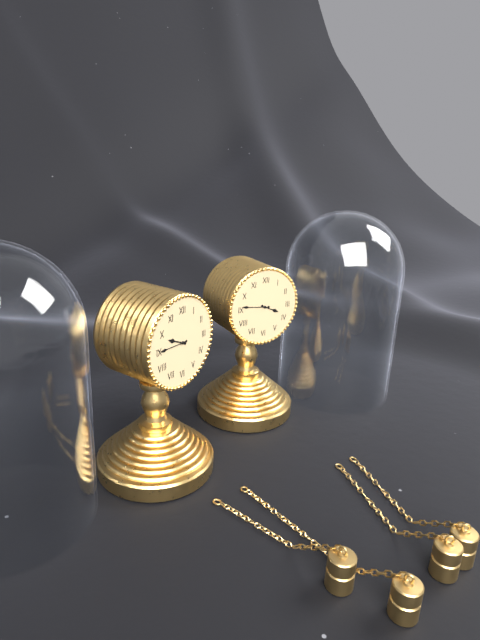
9h45
